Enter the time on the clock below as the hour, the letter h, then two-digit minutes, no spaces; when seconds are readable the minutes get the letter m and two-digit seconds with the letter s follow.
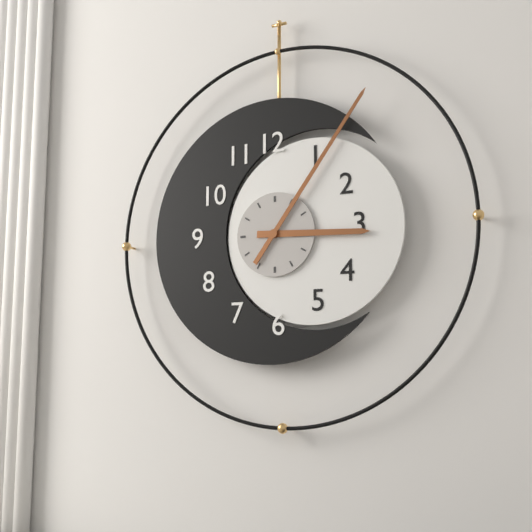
3h06
